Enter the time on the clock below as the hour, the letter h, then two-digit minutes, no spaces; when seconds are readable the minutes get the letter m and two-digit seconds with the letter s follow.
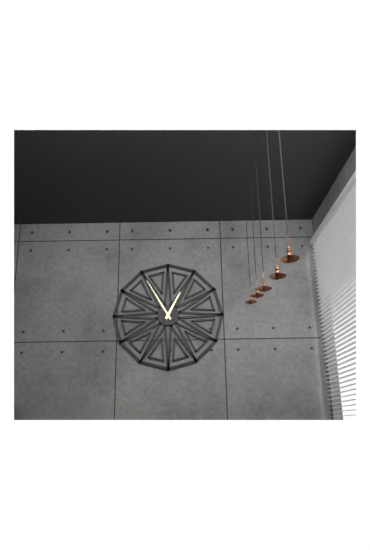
12h55
